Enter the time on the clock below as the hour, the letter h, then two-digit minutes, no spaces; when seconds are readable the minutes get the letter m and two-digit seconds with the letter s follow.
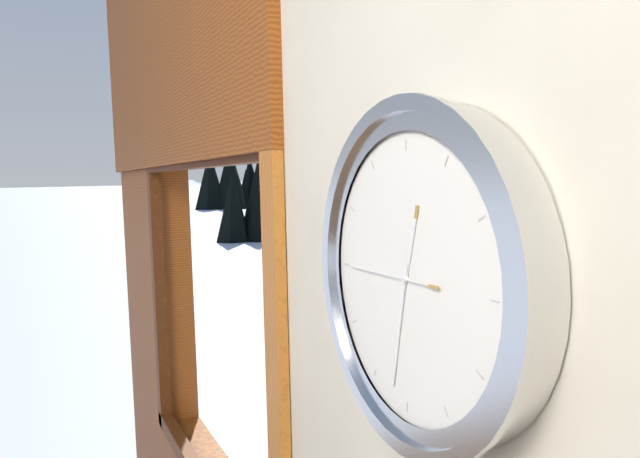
12h32m45s
